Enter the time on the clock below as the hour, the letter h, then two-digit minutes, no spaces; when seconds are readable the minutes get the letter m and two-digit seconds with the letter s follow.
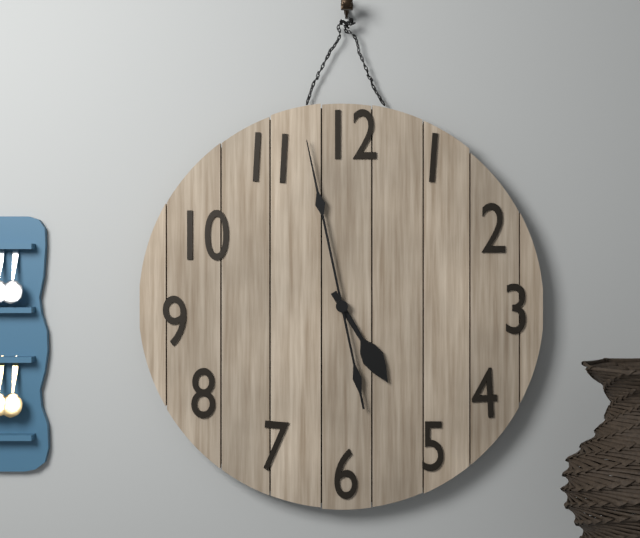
4h58
